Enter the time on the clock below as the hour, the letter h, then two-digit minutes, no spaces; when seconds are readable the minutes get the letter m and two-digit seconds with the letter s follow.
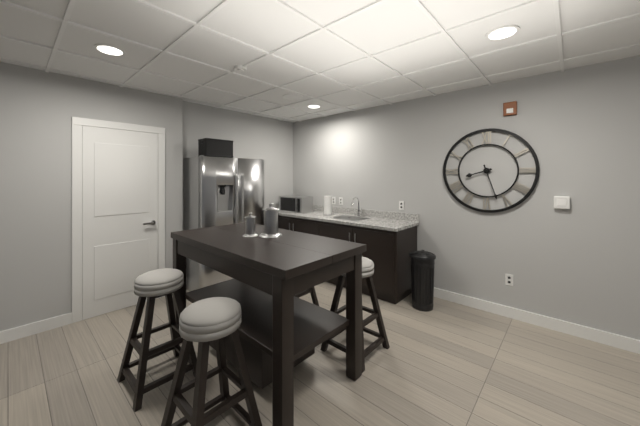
8h27
